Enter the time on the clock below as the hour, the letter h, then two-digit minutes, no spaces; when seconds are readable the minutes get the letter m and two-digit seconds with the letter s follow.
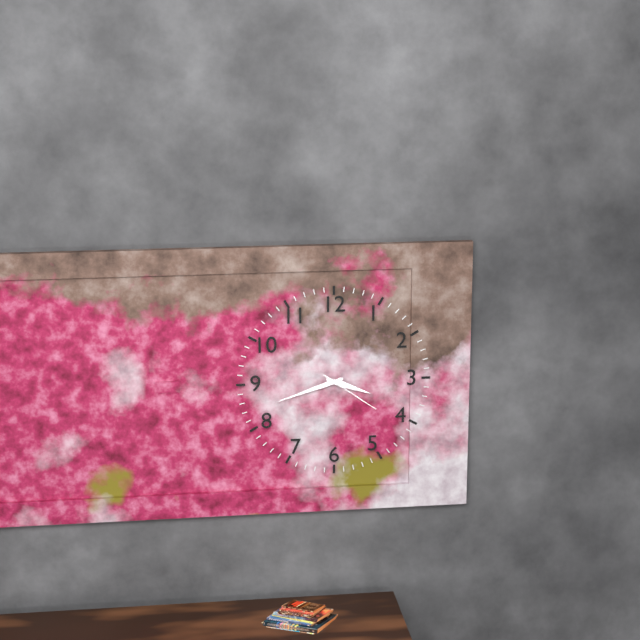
3h42m21s
